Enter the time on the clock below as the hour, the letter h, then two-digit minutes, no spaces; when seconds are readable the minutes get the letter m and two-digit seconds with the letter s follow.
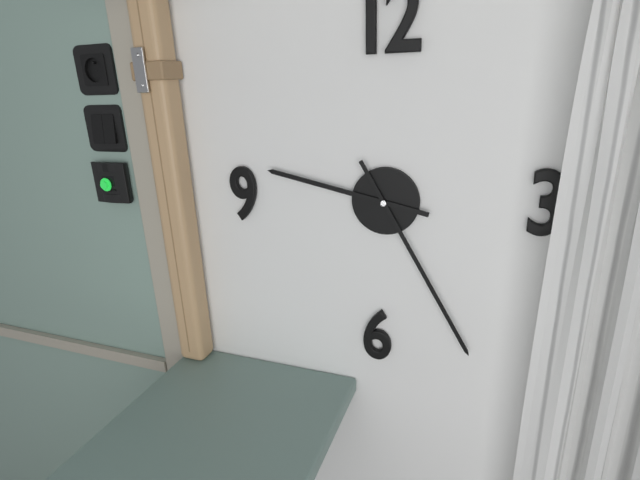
9h25
